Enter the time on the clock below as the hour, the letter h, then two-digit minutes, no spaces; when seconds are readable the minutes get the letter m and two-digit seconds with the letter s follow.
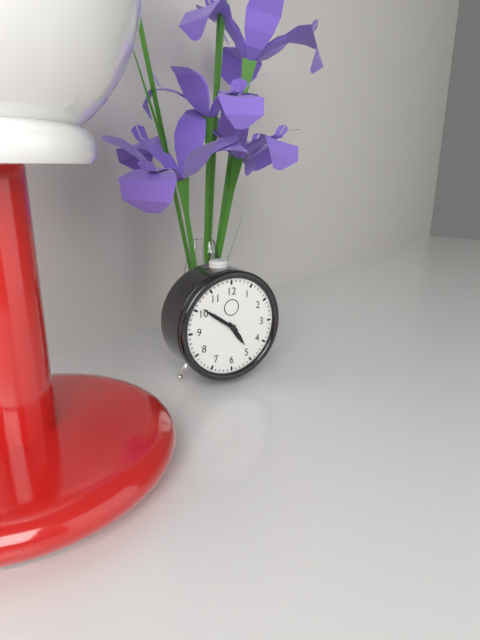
4h51
